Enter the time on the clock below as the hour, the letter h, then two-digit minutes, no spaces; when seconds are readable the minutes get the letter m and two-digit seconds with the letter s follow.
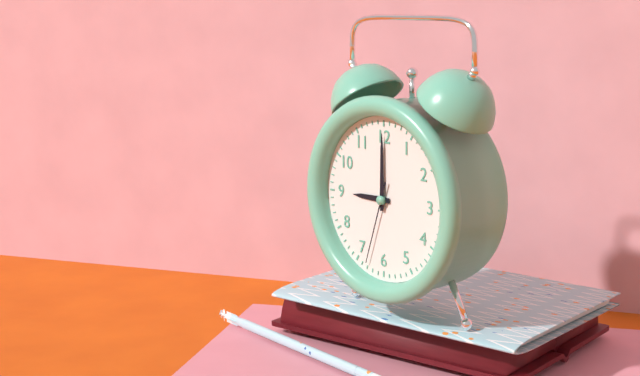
9h00m33s
